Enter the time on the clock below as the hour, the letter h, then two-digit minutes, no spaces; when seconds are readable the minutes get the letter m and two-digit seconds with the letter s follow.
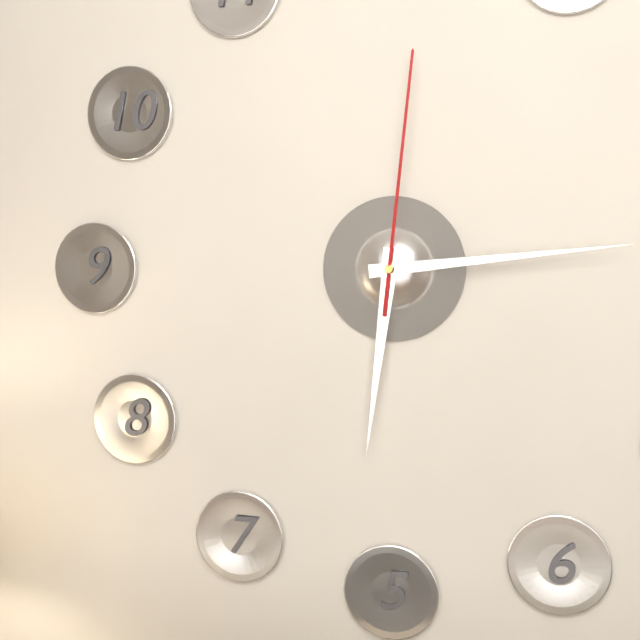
6h14m01s
